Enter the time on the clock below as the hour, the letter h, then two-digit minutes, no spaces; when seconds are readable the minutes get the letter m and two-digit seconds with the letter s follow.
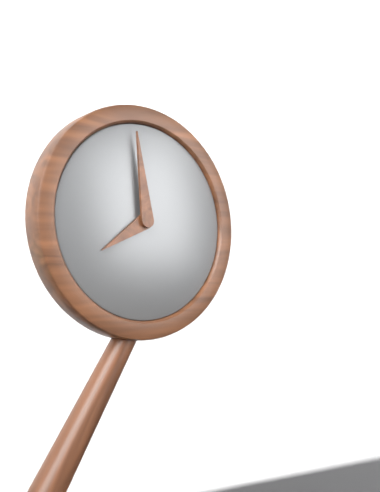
7h59
